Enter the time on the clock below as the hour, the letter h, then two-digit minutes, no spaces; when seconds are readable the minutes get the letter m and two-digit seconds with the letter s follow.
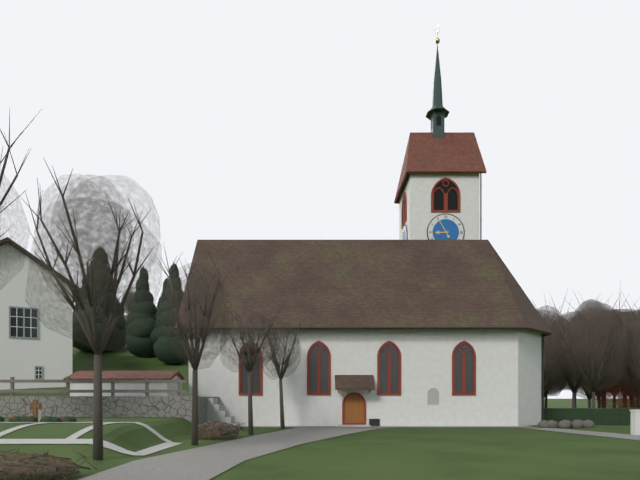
8h55
